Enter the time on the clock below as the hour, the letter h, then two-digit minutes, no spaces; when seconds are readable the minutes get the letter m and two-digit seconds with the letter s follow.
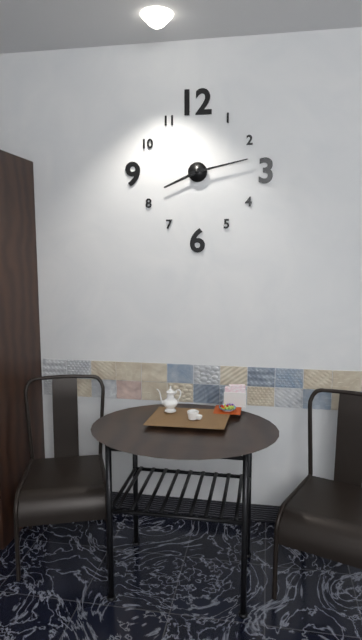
8h13
